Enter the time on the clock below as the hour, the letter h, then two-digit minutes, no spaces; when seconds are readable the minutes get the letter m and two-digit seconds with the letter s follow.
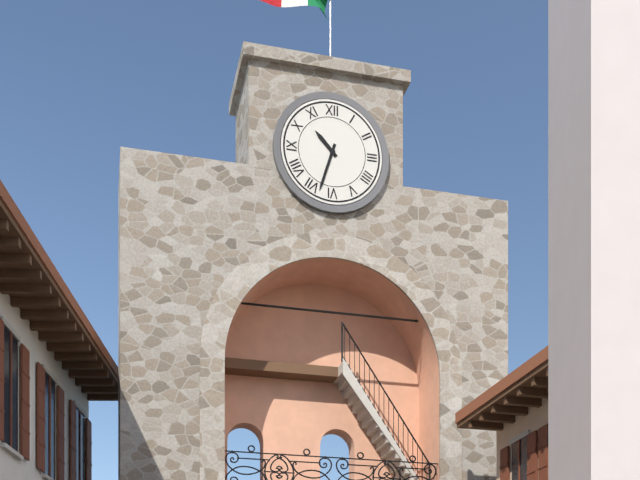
10h33
